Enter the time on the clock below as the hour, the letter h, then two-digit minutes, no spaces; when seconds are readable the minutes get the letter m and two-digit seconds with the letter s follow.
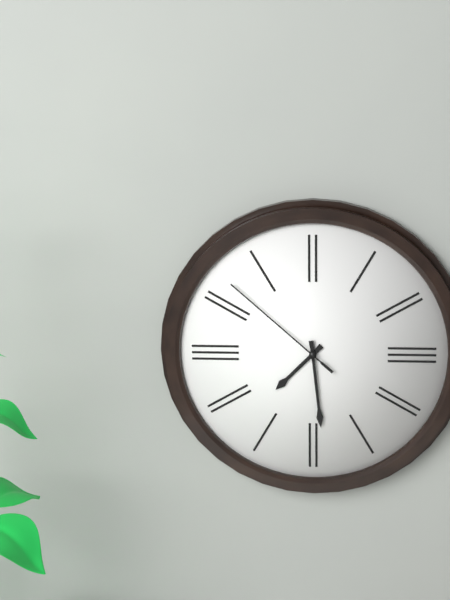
7h29m52s
